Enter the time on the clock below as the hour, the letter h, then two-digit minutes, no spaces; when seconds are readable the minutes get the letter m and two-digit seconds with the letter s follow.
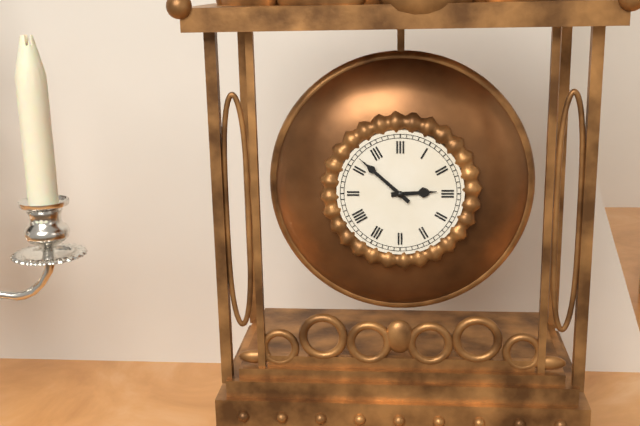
2h52
